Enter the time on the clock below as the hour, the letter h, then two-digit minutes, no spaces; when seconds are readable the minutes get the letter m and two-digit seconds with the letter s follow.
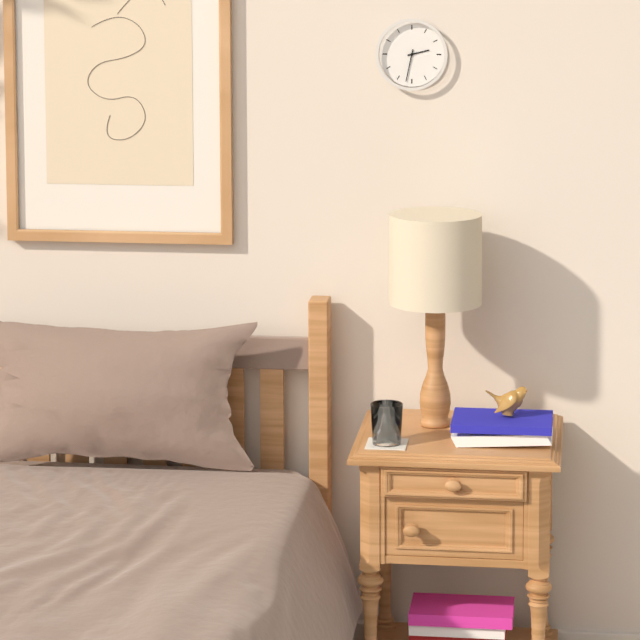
2h32
